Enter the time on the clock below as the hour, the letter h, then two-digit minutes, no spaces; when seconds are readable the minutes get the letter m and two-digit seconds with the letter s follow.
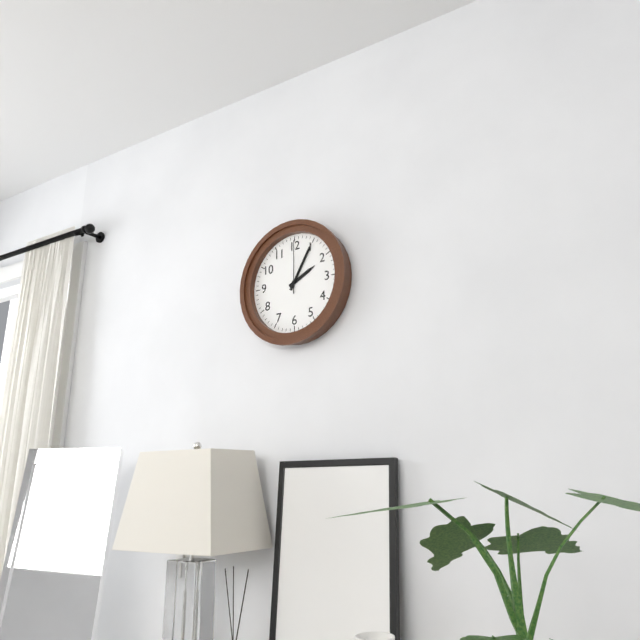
2h05m00s
